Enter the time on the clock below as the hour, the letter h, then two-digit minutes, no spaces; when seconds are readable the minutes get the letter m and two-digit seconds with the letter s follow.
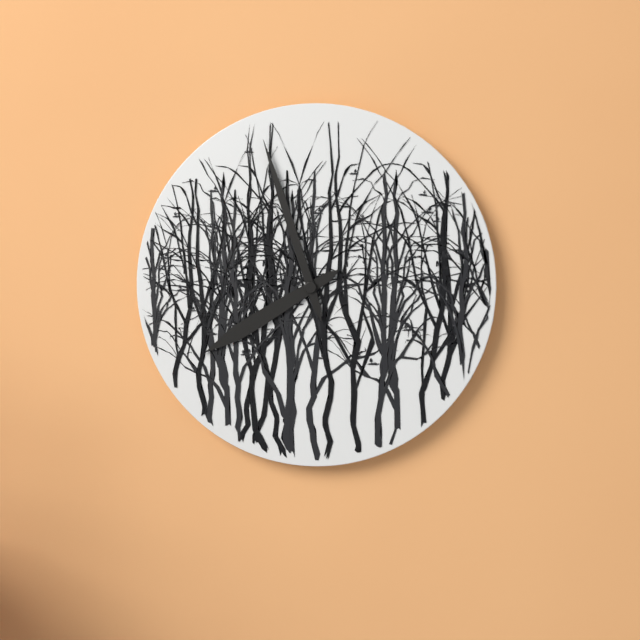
7h57
